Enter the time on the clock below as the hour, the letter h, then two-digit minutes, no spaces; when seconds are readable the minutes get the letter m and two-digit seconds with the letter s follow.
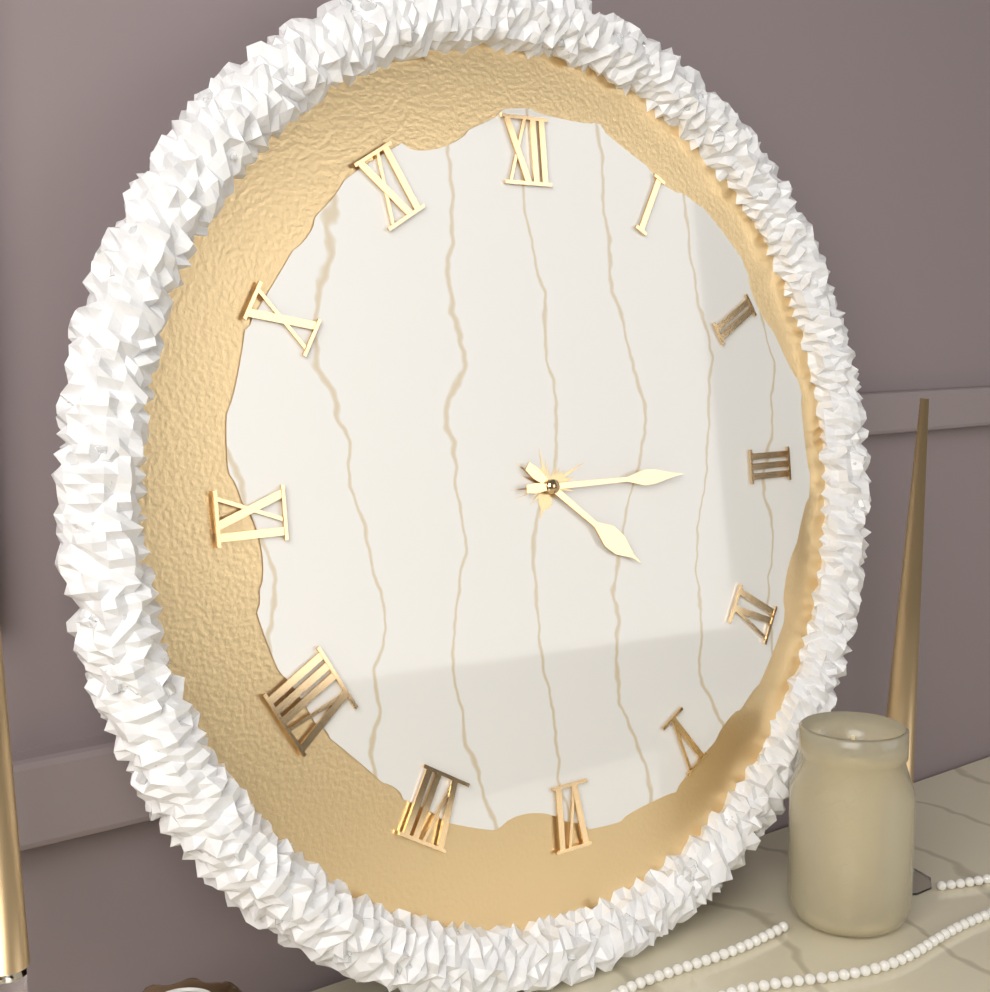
4h15
